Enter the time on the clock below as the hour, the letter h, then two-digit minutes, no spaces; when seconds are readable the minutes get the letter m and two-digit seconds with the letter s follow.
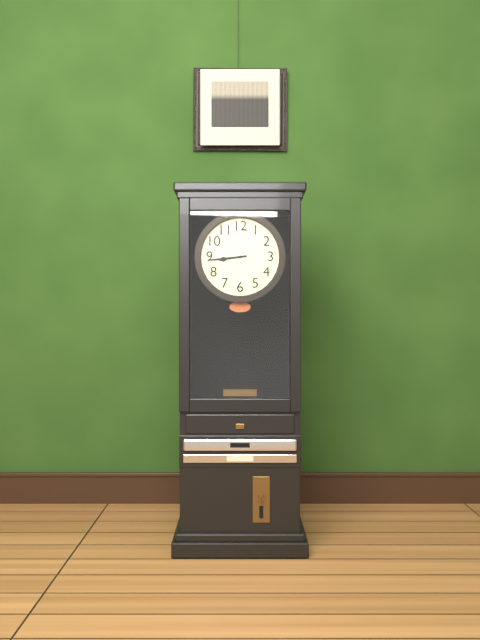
8h44
